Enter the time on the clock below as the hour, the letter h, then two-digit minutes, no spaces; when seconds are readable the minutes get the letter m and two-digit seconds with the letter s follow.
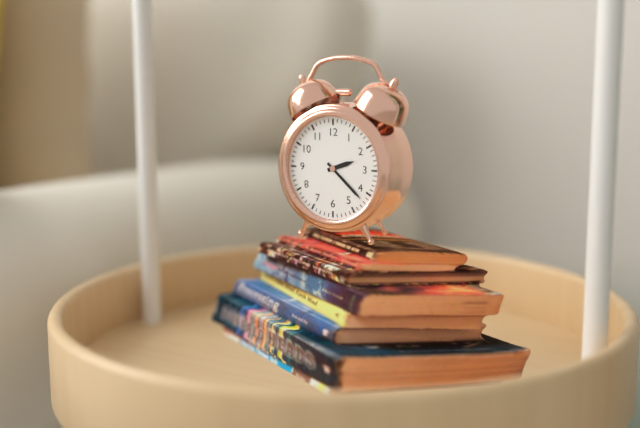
2h22
